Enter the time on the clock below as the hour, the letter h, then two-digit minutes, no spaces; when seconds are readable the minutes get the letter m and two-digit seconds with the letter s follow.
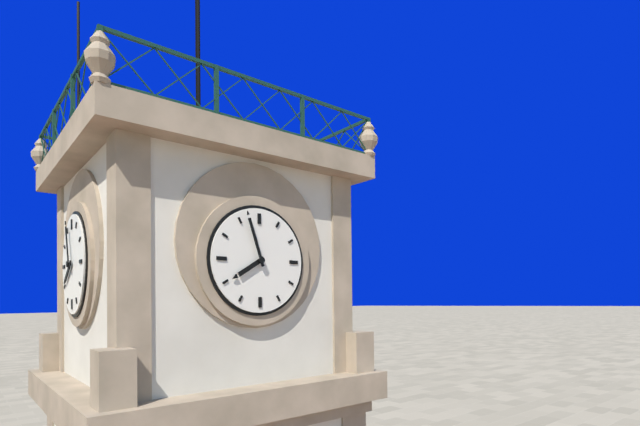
7h57
